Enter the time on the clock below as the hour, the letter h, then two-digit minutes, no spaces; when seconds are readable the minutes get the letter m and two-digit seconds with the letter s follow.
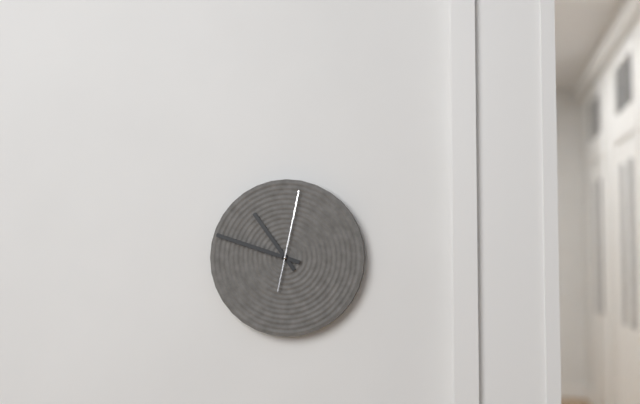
10h48m02s
